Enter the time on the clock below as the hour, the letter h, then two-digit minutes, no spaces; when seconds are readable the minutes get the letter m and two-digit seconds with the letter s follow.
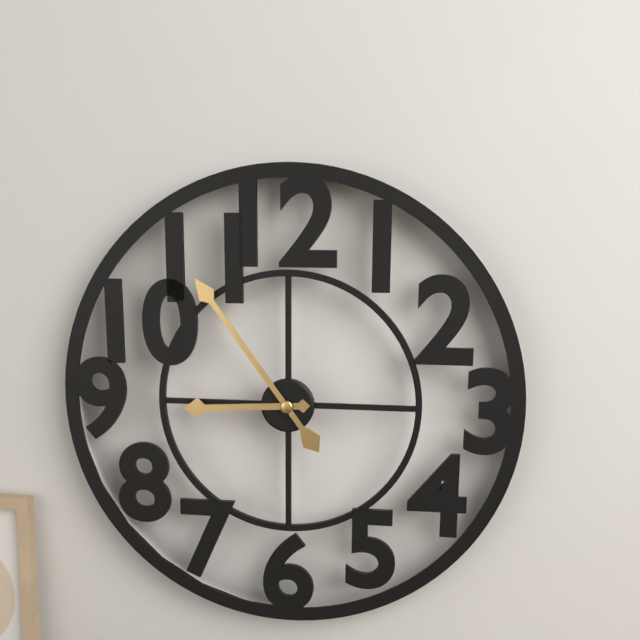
8h54
